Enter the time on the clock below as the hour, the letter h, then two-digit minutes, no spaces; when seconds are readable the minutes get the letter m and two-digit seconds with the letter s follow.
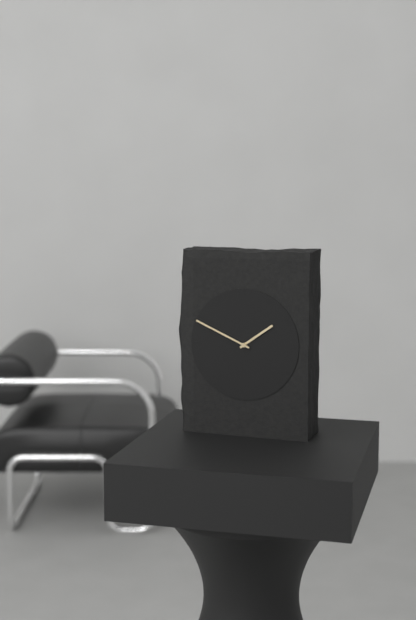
1h49
